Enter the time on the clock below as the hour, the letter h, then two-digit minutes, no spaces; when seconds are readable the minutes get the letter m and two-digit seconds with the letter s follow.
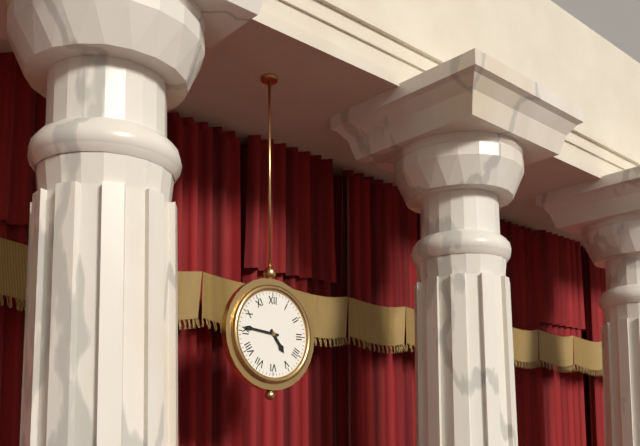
4h46
